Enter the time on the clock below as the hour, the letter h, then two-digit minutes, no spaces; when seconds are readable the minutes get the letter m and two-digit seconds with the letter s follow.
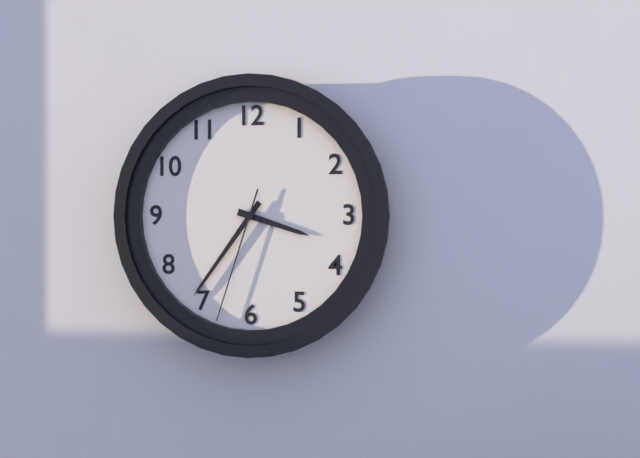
3h36m33s
